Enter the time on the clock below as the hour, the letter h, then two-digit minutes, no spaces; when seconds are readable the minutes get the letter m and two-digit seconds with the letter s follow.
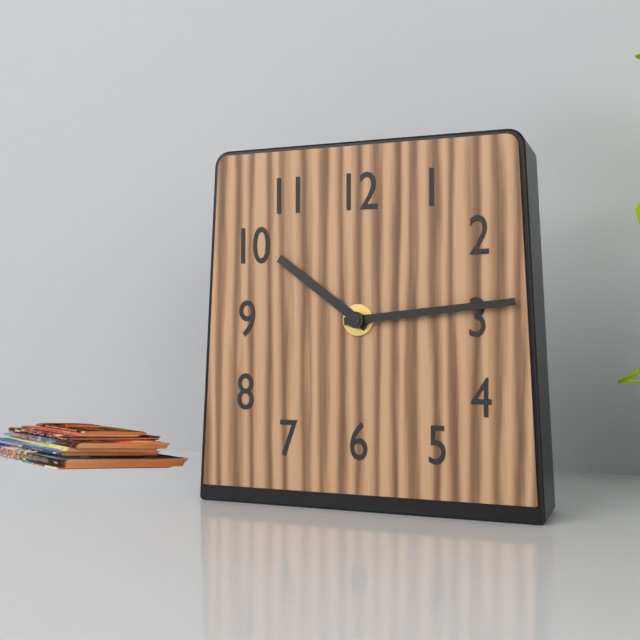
10h14
